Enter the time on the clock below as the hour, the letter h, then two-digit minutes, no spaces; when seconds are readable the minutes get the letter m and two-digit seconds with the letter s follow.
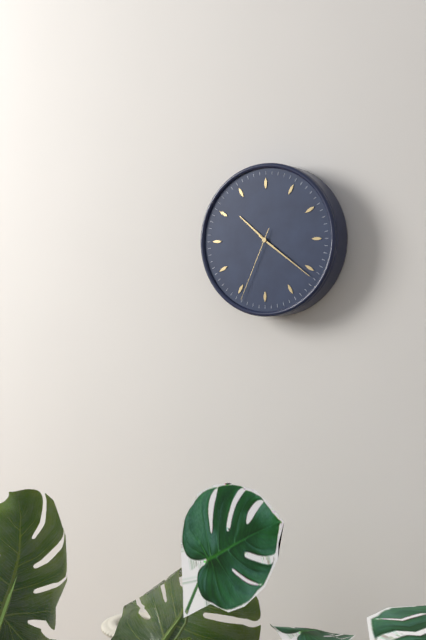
10h21m34s
